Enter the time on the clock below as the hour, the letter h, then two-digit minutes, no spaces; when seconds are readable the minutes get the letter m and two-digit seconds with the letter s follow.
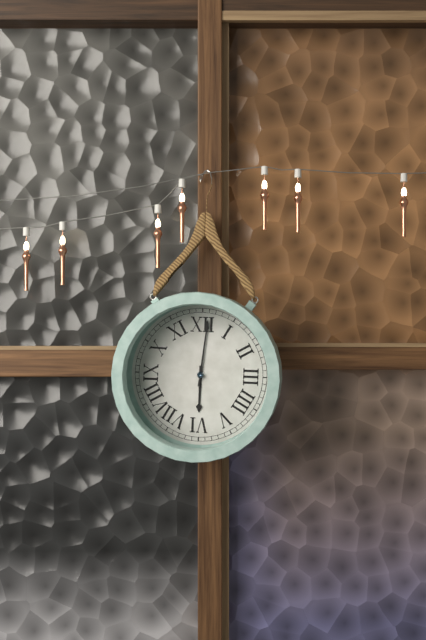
6h01
